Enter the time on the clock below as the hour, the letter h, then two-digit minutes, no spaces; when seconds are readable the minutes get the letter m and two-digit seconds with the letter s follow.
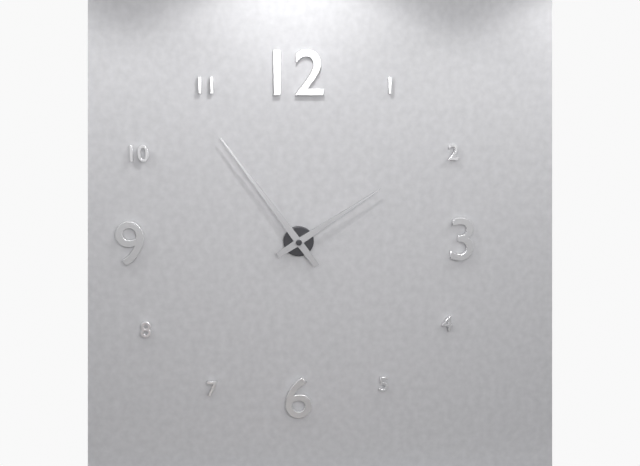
1h54
